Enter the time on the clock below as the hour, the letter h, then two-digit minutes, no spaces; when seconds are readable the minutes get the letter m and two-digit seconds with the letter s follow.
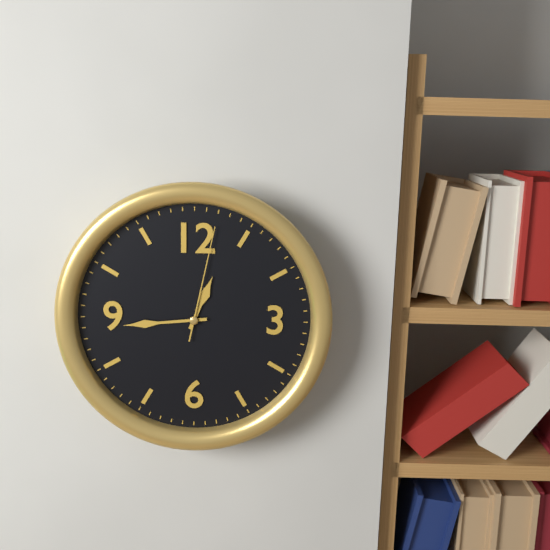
12h44m02s
